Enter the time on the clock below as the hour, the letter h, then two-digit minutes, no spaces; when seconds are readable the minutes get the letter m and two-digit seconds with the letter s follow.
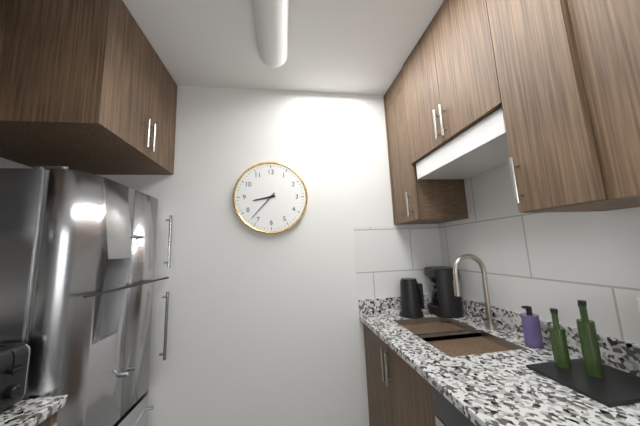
8h37
